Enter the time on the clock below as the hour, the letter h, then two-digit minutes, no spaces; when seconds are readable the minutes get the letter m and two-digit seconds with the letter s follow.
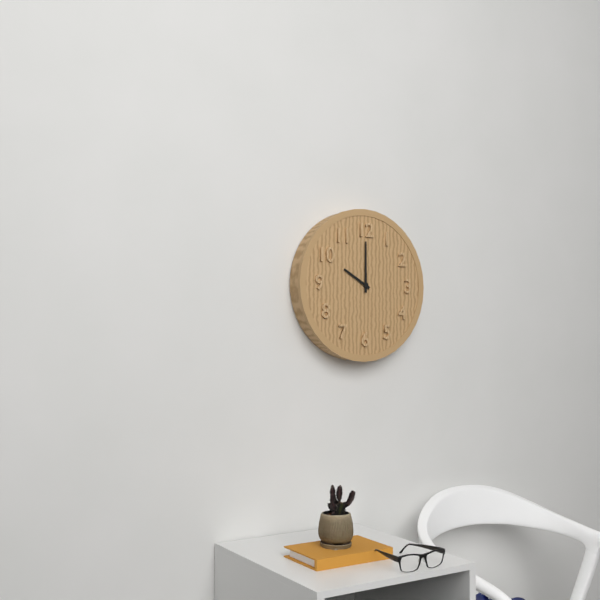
10h00
